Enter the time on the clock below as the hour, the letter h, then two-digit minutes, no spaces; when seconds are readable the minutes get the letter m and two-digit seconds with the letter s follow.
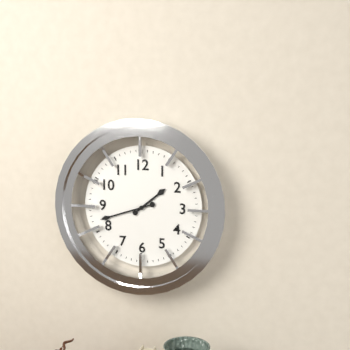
1h42
